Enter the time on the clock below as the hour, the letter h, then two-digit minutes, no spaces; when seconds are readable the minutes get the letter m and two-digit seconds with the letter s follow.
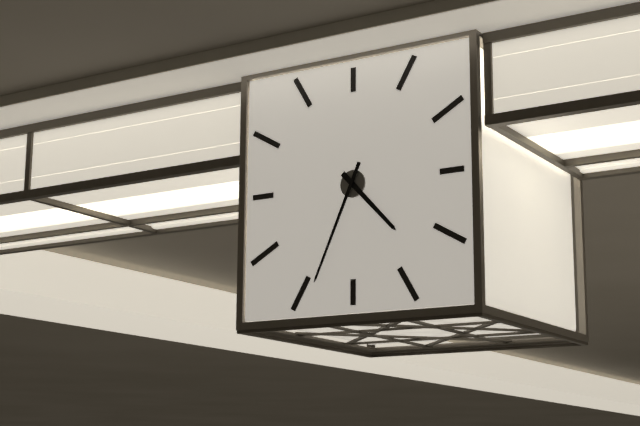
4h34
